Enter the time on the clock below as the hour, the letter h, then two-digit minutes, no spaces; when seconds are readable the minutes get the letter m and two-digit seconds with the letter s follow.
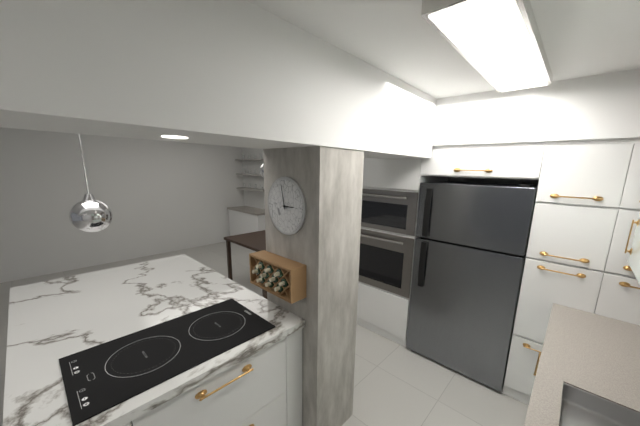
2h58
